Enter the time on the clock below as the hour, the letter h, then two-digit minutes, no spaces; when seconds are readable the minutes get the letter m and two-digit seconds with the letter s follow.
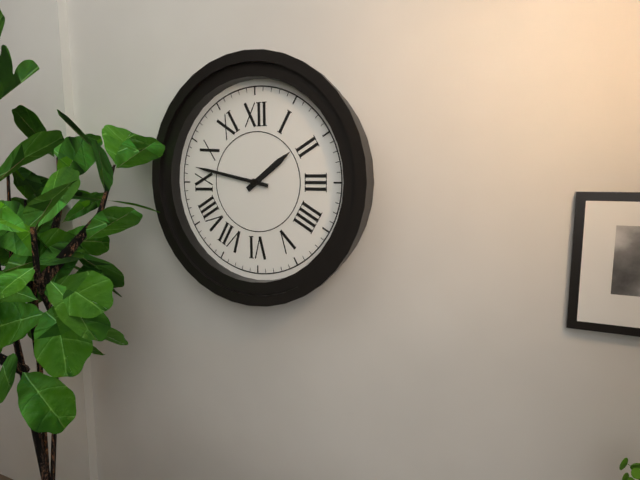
1h47
